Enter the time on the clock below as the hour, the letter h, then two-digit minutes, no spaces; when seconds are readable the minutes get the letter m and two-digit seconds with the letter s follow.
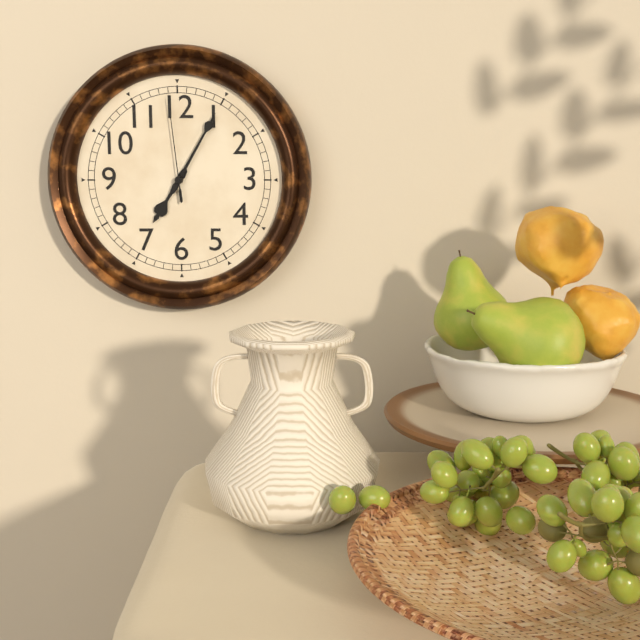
7h05m59s
